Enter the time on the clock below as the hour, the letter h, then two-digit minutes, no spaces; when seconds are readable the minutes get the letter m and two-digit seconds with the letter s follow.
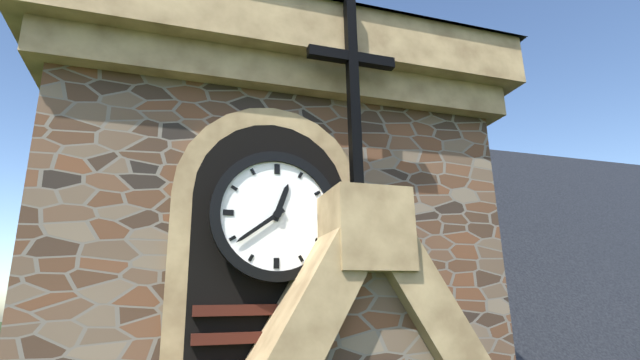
12h39
